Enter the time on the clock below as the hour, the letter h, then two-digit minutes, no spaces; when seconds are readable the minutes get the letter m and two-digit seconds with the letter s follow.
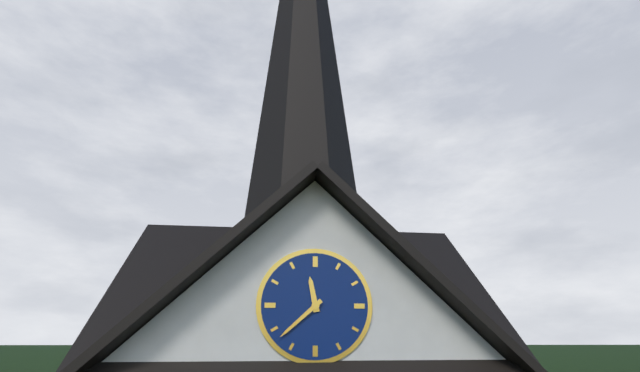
11h38
